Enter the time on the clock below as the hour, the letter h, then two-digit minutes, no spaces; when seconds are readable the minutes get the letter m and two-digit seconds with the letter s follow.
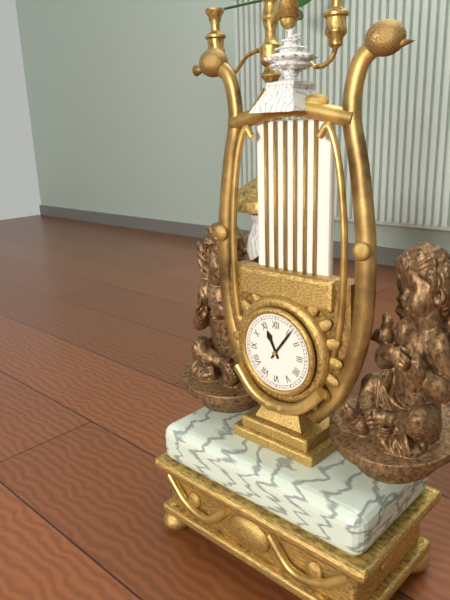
11h06
